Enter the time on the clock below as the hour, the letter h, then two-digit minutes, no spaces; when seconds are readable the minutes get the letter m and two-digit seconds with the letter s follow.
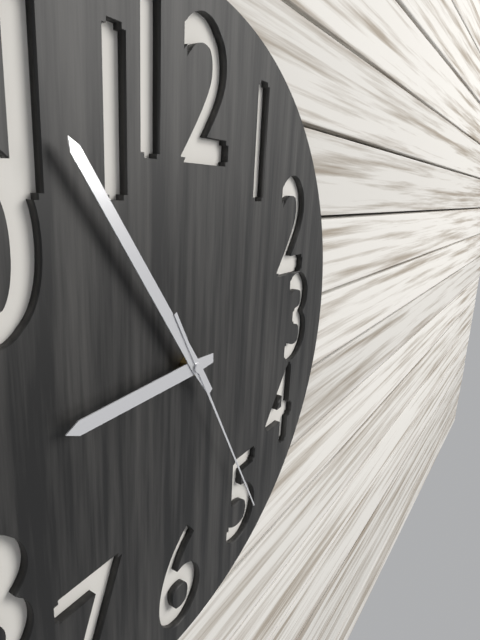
8h54m25s
